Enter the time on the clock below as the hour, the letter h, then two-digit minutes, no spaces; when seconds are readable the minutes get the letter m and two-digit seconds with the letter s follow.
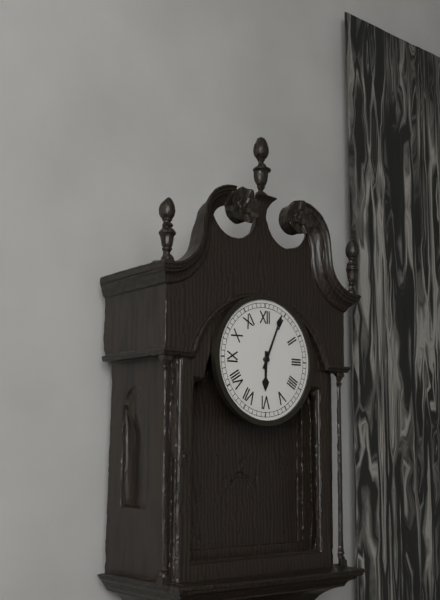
6h04
